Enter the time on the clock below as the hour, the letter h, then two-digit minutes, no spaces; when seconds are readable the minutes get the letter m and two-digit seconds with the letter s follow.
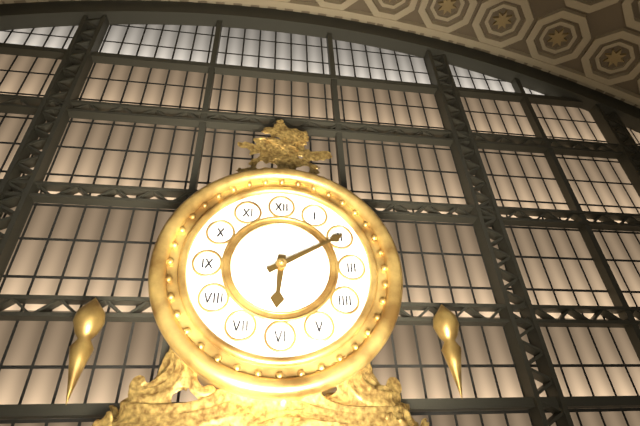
6h10
